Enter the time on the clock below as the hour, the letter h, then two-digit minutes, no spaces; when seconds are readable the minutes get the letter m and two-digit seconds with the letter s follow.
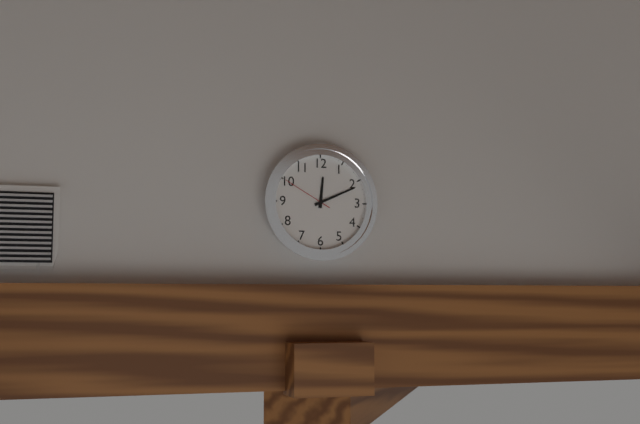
12h11m50s
